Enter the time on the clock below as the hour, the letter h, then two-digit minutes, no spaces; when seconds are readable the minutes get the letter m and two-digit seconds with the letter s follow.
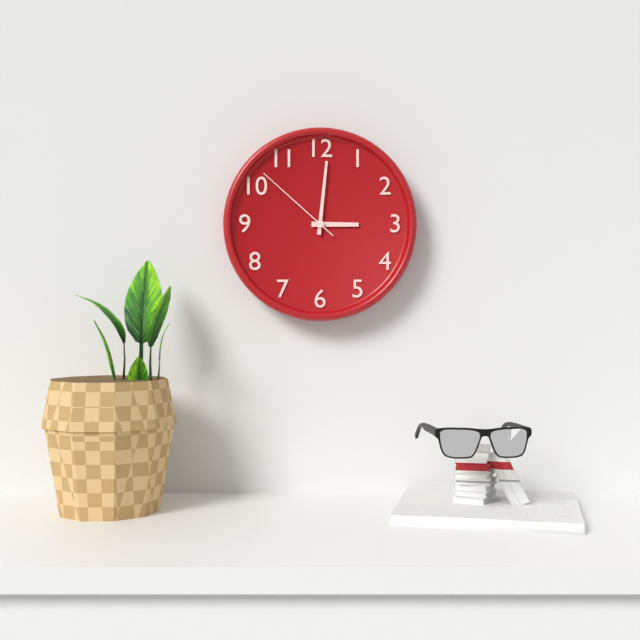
3h01m52s
